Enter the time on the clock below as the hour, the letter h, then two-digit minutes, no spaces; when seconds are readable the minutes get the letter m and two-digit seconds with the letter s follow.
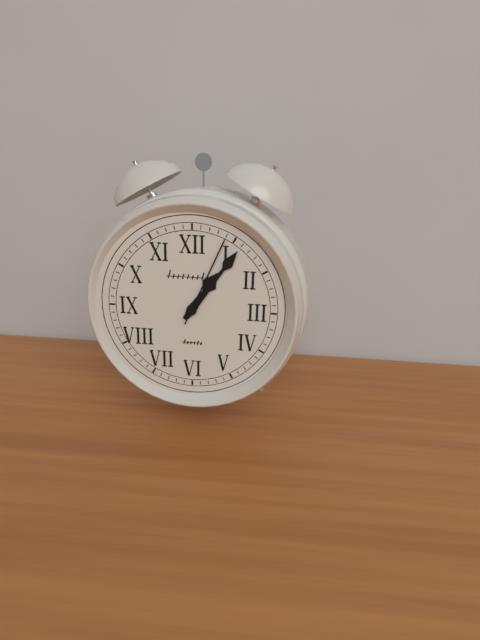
1h06m04s
